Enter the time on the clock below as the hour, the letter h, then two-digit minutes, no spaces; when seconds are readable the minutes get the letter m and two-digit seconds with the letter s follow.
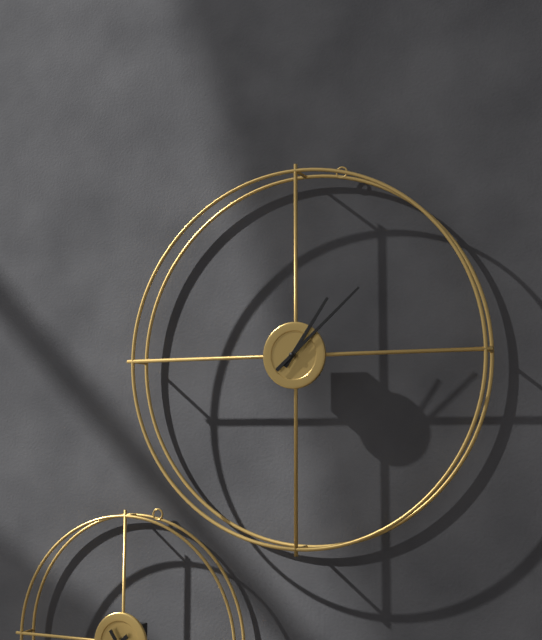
1h08
